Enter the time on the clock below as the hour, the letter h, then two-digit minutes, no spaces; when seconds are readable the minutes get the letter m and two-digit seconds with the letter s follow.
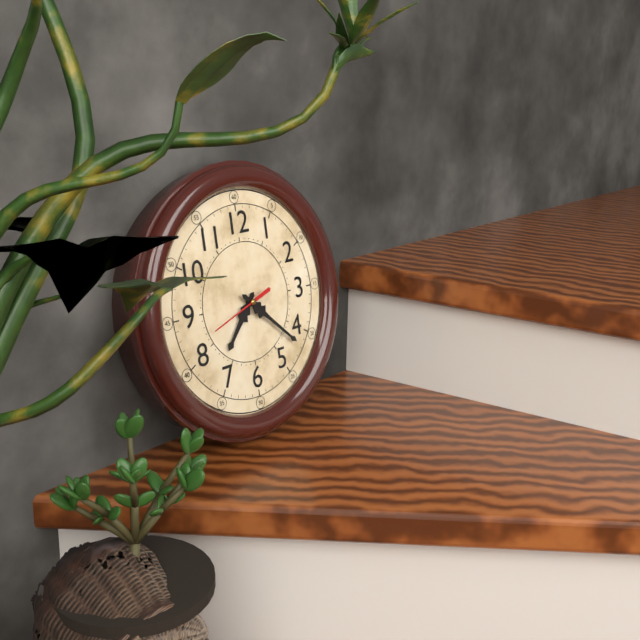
7h22m42s
